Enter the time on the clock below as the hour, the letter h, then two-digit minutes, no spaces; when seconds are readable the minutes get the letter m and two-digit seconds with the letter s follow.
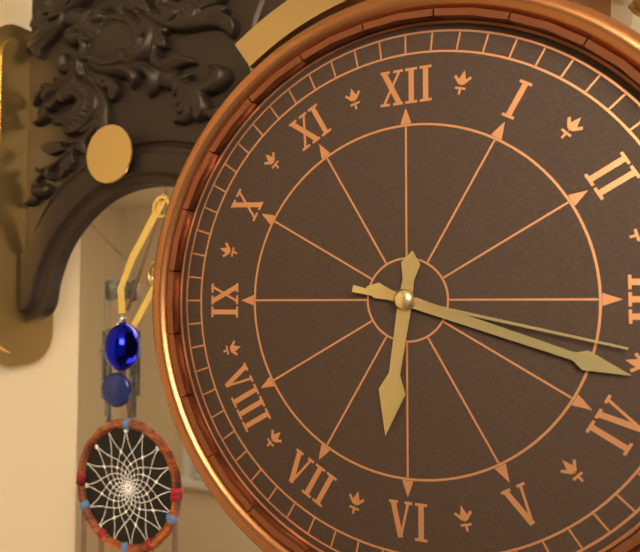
6h18m17s
